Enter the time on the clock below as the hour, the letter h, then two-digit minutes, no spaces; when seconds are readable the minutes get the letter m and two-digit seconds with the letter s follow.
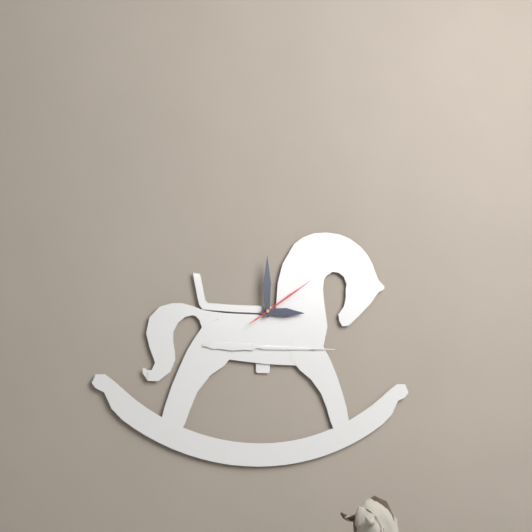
3h00m09s
